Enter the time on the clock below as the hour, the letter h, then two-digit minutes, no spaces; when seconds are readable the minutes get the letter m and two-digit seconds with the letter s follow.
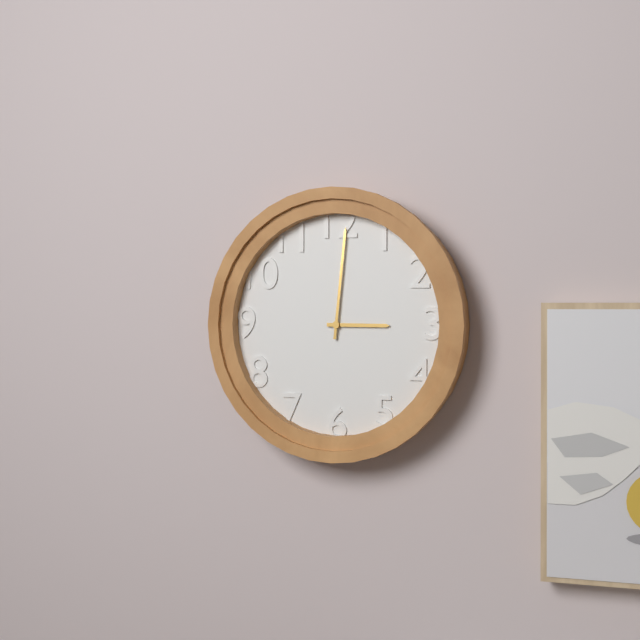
3h01
